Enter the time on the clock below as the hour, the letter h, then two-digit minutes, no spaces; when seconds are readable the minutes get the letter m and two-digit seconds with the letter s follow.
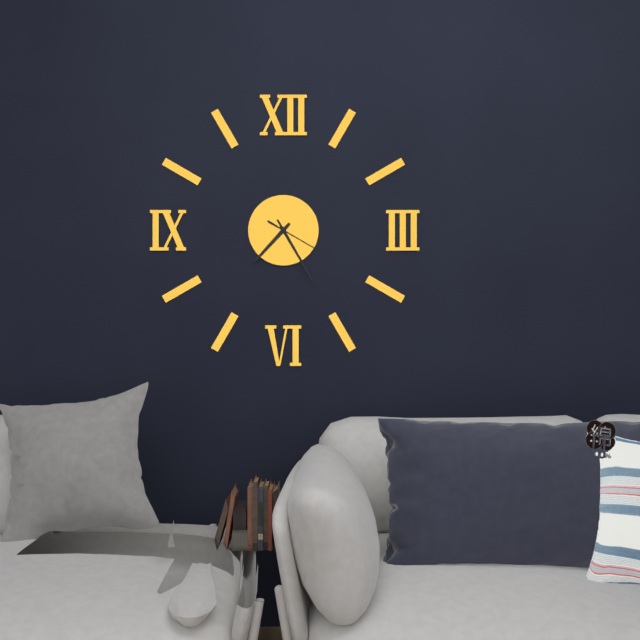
7h25m20s
